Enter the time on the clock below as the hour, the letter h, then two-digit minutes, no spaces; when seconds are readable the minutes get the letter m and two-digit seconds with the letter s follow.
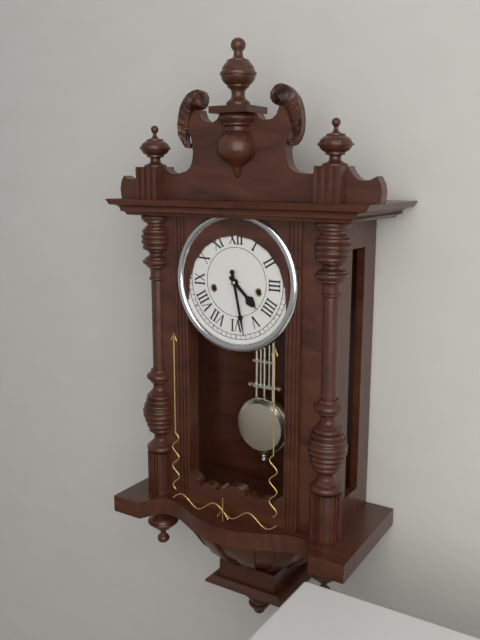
4h28
